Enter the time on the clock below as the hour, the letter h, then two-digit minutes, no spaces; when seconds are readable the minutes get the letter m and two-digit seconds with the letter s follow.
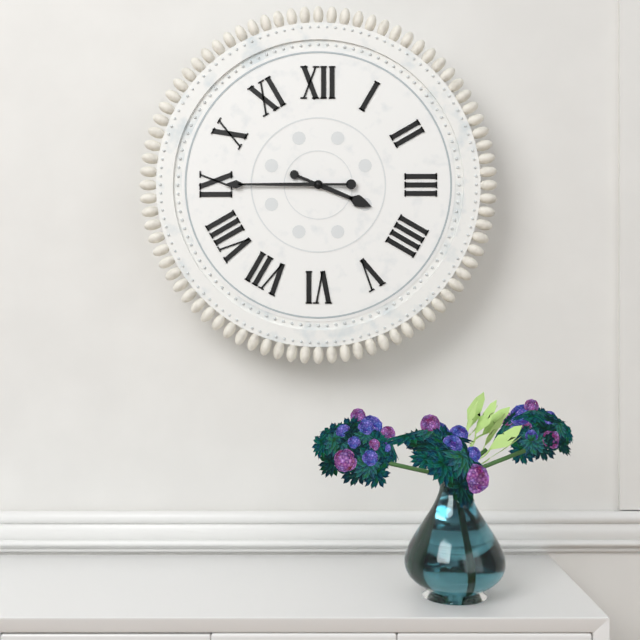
3h45
